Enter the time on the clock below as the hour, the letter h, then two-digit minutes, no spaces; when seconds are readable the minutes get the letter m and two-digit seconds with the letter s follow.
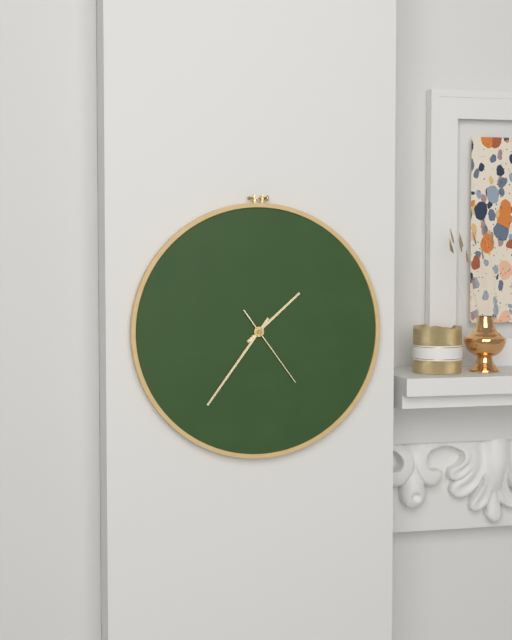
1h36m24s
